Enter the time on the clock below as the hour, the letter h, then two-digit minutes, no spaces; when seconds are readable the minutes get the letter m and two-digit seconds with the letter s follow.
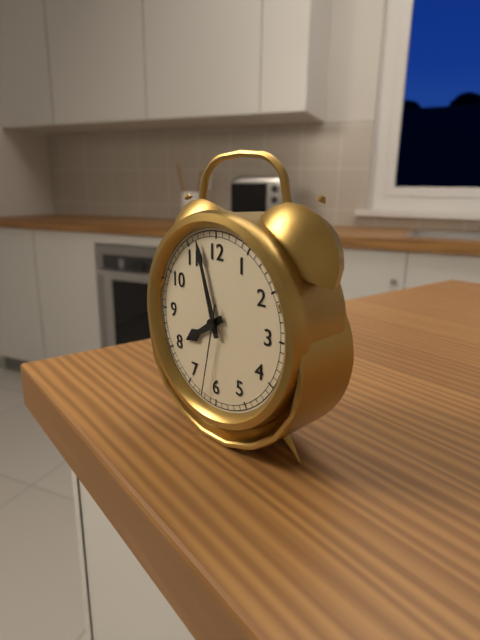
7h57m32s
